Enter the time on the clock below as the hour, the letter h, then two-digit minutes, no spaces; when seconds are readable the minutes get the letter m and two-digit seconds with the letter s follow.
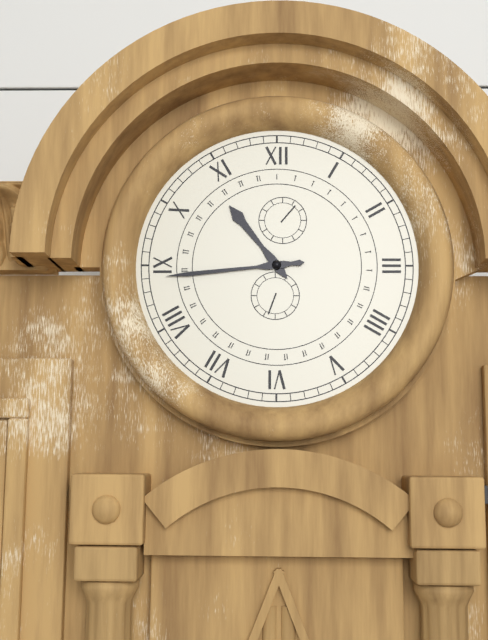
10h44
